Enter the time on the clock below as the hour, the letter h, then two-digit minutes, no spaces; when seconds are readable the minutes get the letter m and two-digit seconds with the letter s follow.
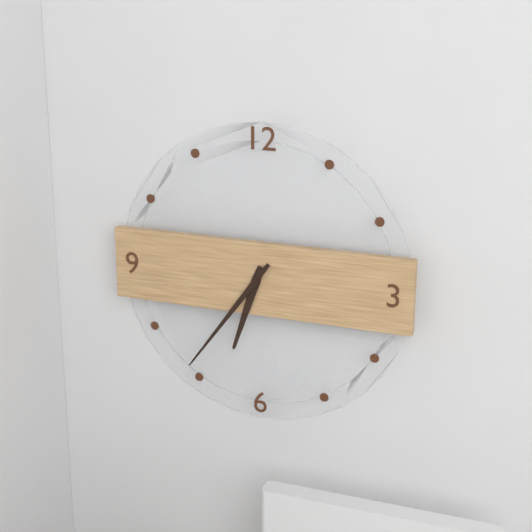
6h36
